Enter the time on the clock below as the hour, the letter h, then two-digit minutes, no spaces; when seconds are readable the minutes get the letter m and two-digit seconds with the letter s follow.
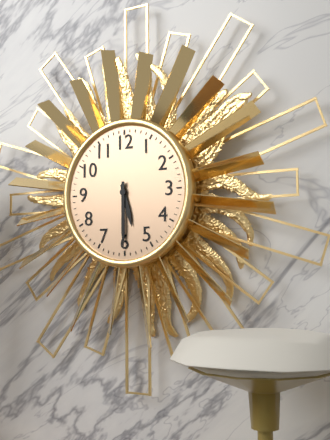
5h30
